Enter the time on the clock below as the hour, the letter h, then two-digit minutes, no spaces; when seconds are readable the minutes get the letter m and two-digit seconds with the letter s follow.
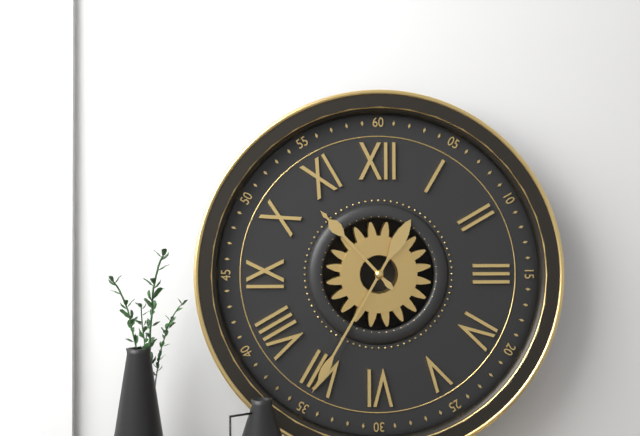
10h35
